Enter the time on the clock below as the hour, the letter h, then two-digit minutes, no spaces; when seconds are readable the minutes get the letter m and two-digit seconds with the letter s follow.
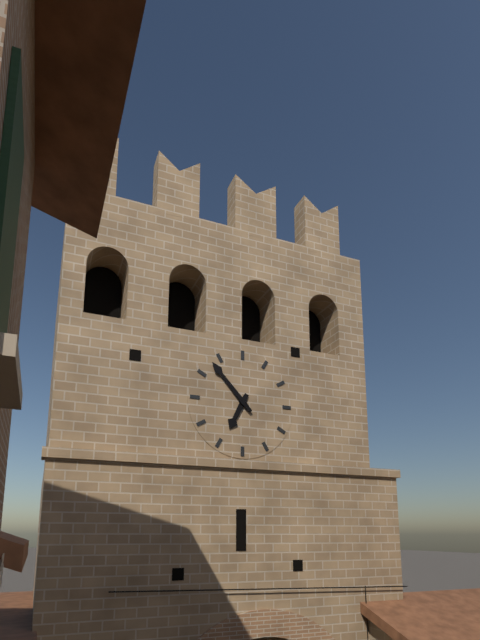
6h53
